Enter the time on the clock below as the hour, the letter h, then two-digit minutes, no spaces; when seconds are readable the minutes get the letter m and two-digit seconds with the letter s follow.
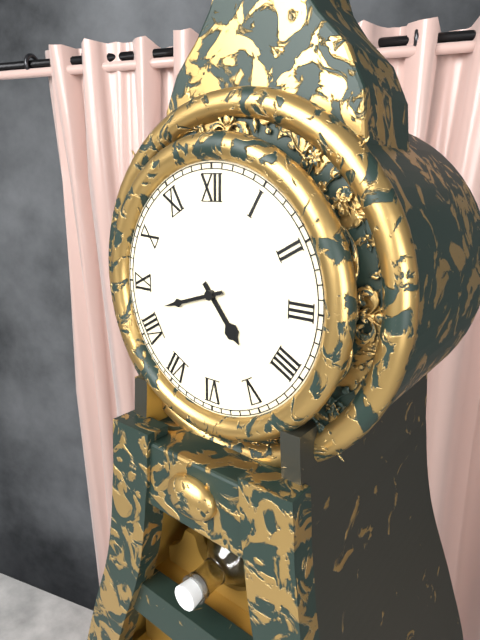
4h42
